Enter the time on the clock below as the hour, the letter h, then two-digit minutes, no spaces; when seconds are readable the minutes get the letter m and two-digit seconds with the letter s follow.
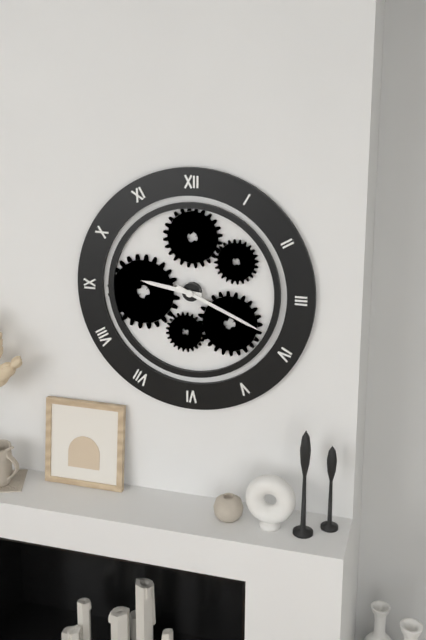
9h19
